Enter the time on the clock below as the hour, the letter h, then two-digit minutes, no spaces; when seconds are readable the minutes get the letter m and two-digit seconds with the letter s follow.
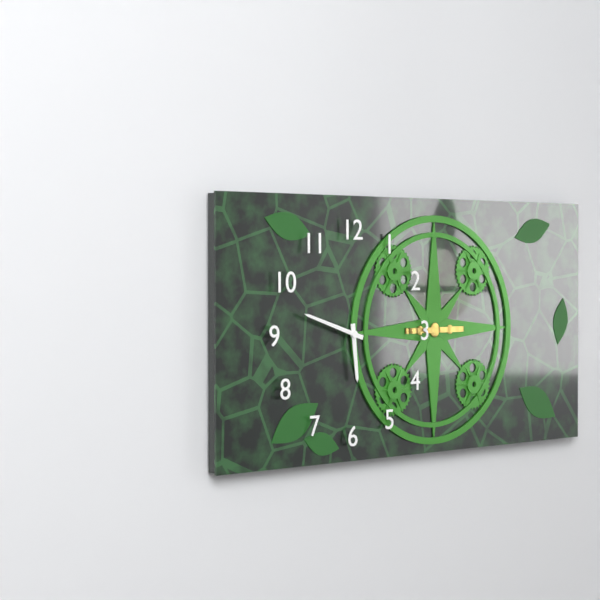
5h48
